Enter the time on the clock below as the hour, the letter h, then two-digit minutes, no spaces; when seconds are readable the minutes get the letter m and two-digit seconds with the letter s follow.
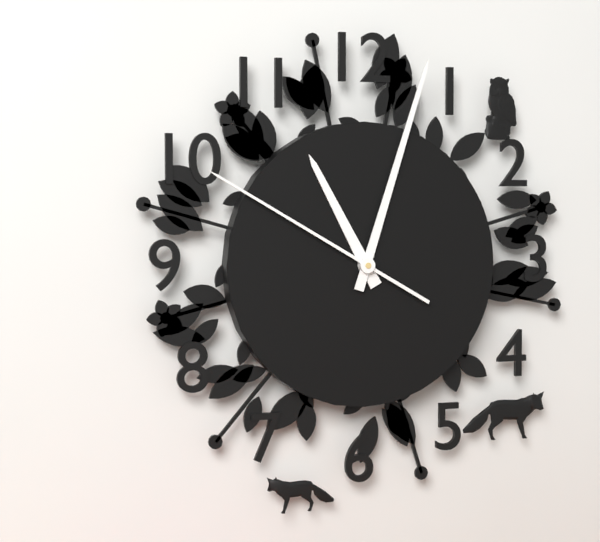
11h03m50s
